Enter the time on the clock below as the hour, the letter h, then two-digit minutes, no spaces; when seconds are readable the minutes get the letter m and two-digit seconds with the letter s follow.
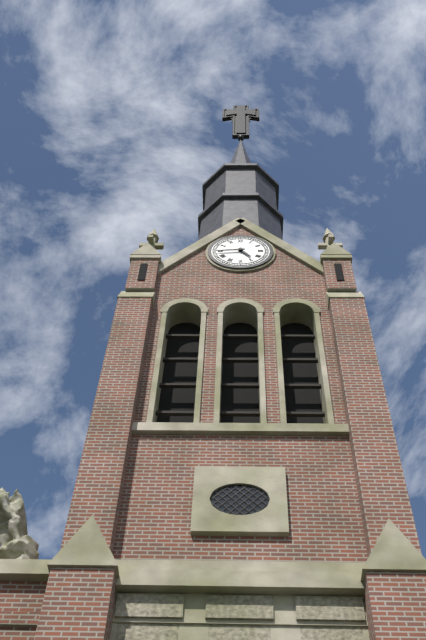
4h44
